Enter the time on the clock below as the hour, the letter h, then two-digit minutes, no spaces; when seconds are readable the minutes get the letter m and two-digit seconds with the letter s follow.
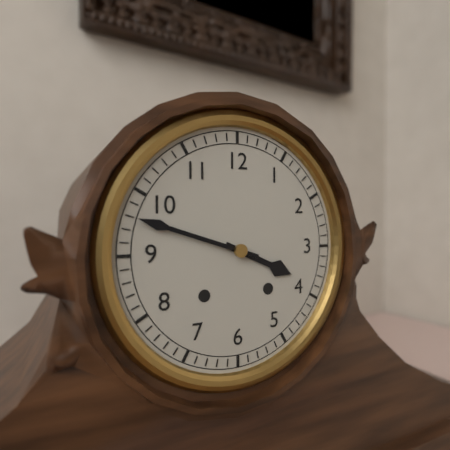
3h48
